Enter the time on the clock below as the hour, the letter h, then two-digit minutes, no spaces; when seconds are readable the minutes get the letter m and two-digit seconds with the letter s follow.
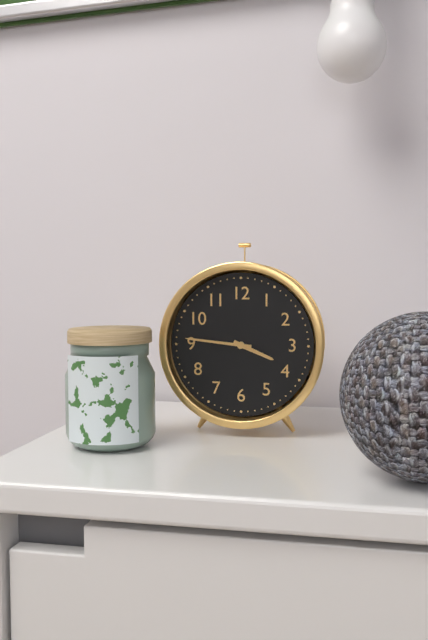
3h46
